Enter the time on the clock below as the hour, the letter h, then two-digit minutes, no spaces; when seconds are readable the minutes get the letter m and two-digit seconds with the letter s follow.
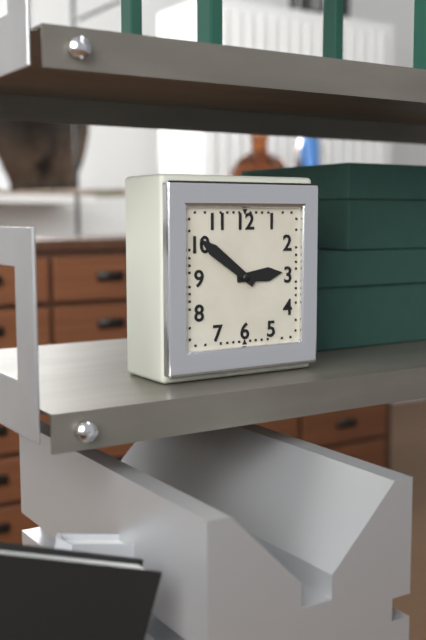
2h51
